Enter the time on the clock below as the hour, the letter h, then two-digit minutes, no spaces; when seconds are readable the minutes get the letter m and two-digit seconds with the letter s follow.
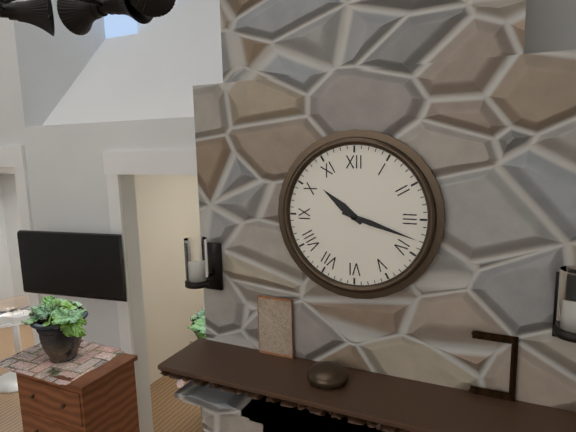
10h18
